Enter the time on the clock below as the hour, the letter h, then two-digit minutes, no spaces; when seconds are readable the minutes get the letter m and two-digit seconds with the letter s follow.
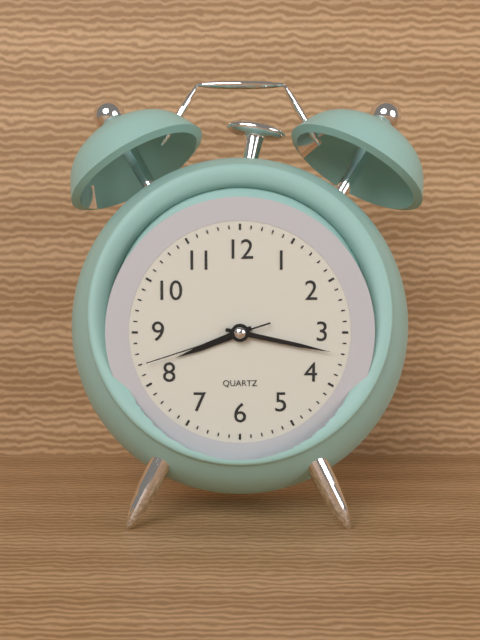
8h17m42s
